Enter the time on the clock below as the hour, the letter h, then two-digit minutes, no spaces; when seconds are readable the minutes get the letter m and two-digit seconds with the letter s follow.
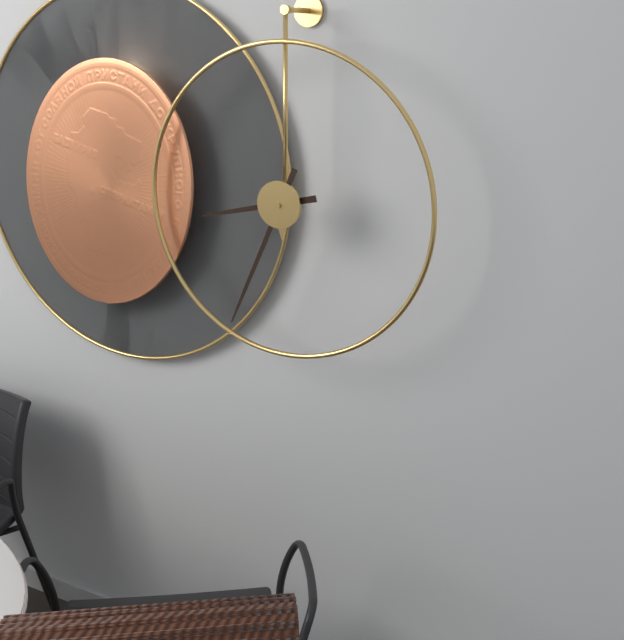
8h34
